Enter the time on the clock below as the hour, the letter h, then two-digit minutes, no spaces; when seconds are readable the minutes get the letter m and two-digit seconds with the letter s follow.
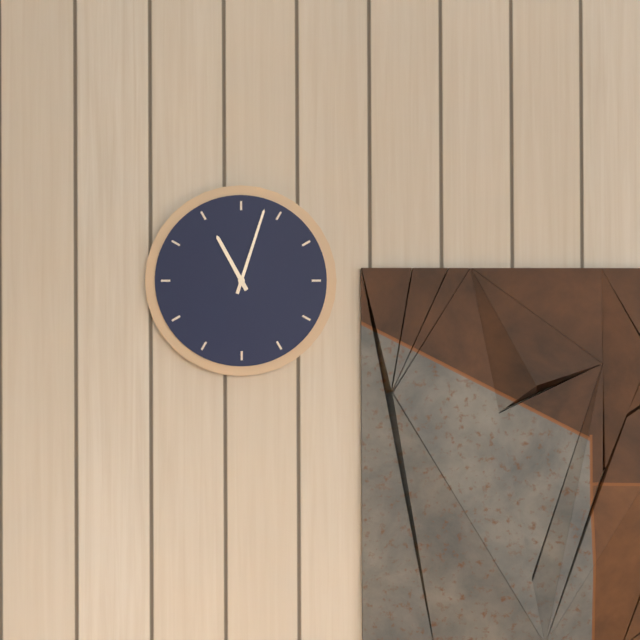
11h03
